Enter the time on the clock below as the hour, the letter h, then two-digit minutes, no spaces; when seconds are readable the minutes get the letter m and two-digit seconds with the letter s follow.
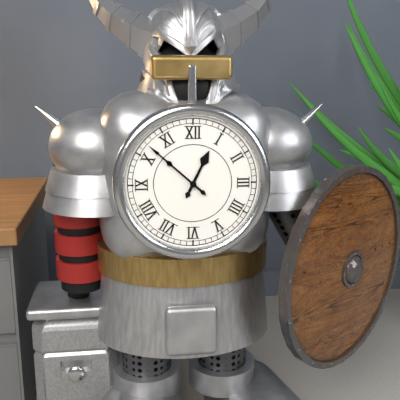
12h52
